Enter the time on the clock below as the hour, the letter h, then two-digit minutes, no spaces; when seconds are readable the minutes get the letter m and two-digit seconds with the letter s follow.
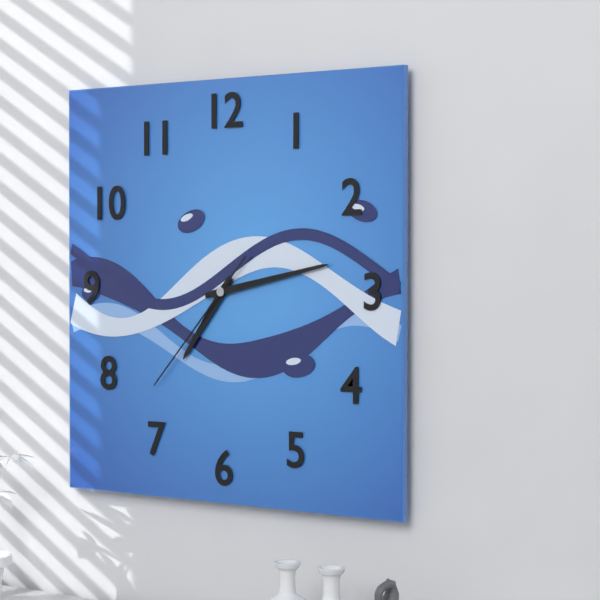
7h13m37s
